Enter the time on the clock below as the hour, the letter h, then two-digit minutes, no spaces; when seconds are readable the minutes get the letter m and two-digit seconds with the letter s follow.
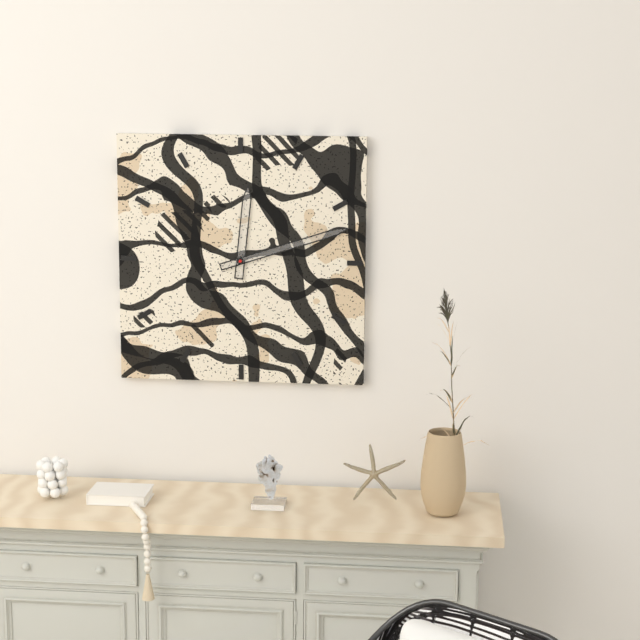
12h12
